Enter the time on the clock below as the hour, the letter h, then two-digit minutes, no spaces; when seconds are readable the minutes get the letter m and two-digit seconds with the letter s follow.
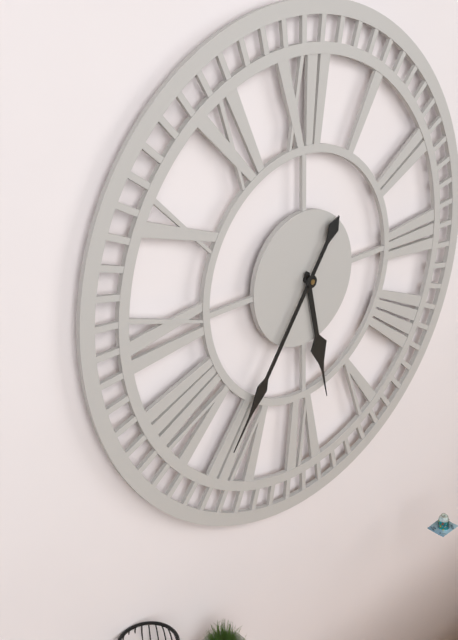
5h36
